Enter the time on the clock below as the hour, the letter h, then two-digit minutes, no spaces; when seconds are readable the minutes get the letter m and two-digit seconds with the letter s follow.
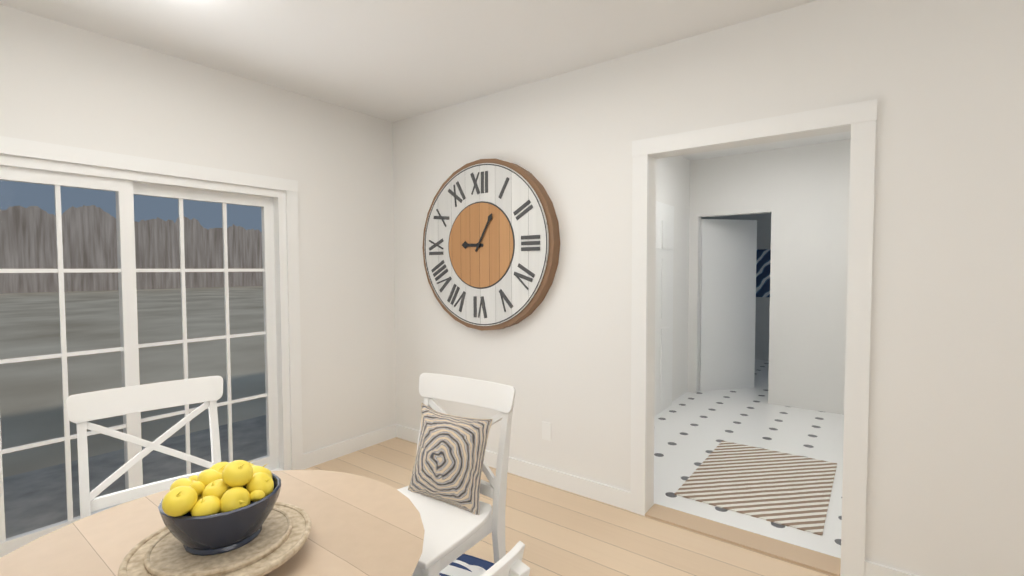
9h05
